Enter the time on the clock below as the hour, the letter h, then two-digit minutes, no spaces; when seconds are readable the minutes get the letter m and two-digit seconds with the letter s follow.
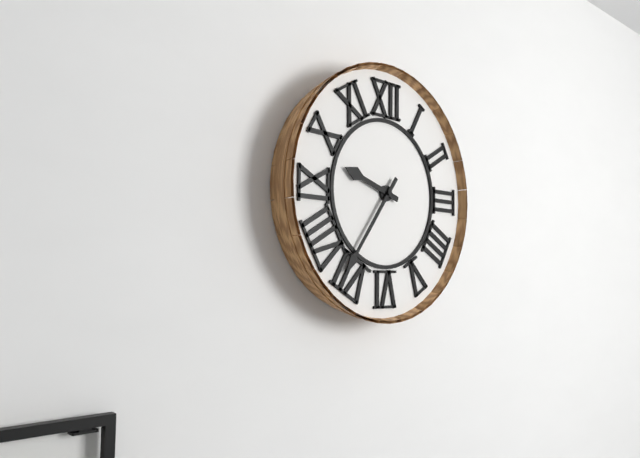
9h36
